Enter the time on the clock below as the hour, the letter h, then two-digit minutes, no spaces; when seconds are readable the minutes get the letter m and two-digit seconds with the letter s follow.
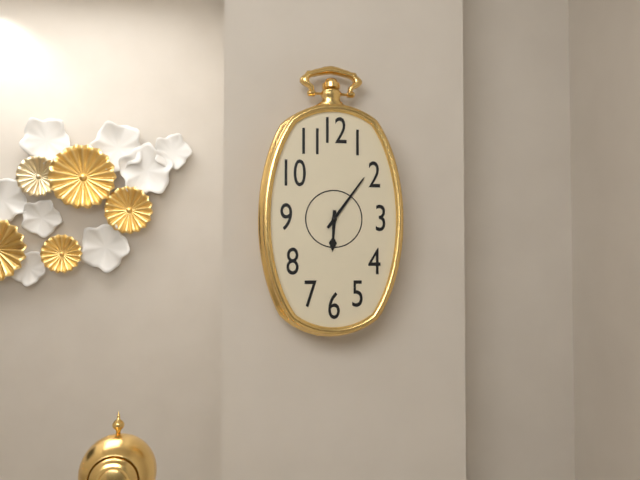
6h06
